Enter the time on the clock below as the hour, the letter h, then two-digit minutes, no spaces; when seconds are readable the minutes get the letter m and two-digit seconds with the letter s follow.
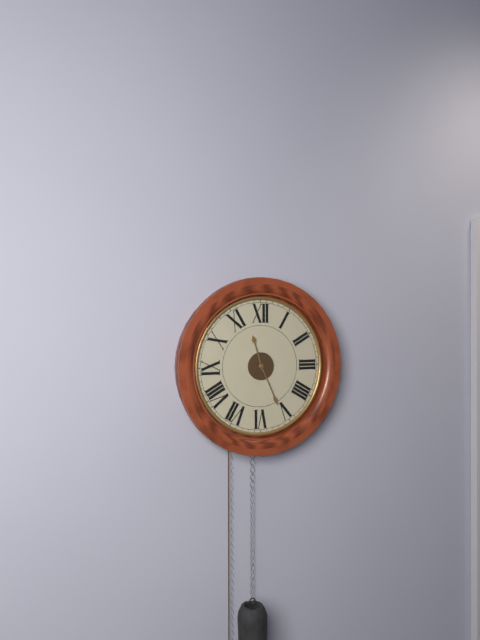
11h26
